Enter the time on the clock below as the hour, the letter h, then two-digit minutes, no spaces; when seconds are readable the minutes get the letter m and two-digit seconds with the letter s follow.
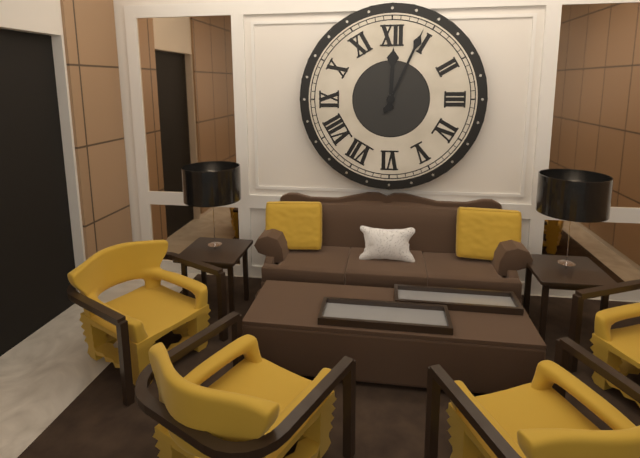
12h04
